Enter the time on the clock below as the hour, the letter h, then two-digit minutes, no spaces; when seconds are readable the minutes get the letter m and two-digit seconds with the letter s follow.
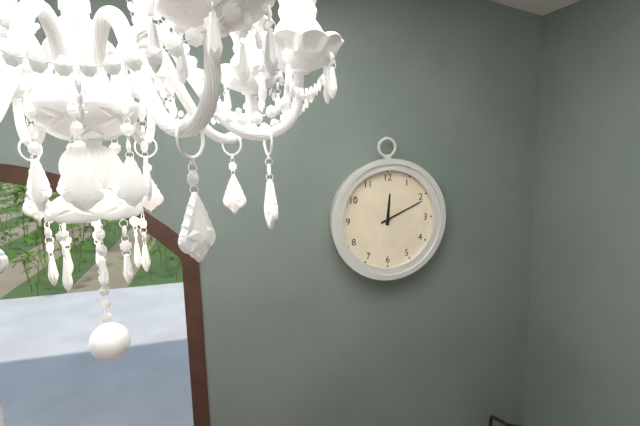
12h11
